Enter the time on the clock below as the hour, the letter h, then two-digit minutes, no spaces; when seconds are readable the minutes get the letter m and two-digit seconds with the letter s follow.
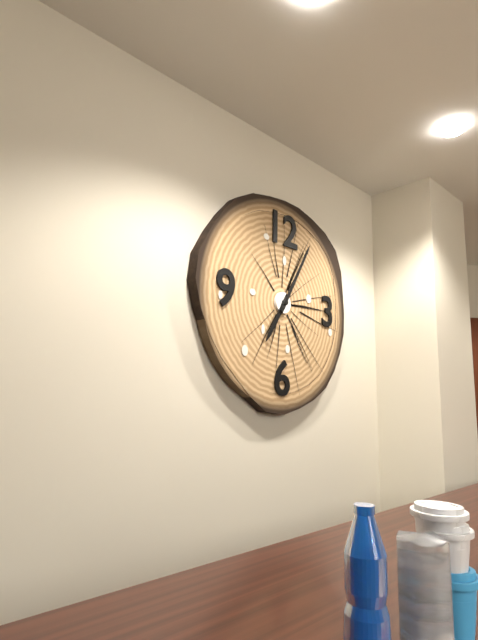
7h05
